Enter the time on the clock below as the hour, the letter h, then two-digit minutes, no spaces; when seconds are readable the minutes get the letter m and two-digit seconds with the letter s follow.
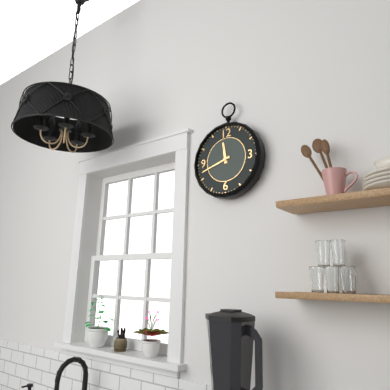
11h42
